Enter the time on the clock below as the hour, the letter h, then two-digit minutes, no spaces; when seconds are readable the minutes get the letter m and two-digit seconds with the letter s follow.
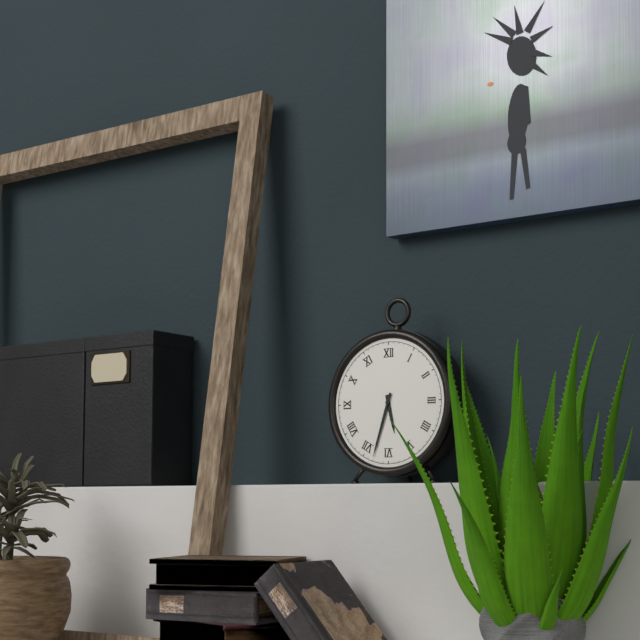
5h33
